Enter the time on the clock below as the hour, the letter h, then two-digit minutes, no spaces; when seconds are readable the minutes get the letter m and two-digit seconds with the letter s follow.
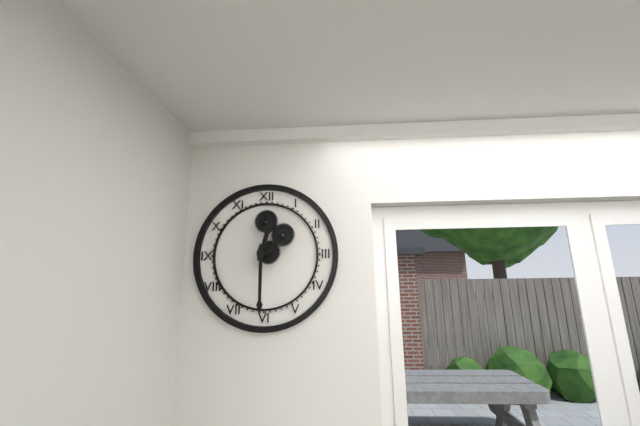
12h30
